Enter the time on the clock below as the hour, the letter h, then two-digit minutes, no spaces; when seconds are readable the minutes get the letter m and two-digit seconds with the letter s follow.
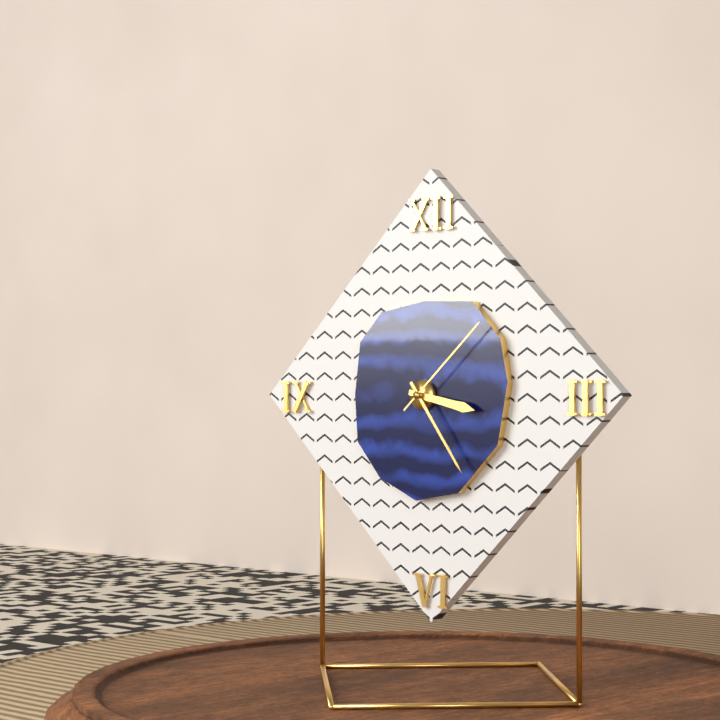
3h24m08s
